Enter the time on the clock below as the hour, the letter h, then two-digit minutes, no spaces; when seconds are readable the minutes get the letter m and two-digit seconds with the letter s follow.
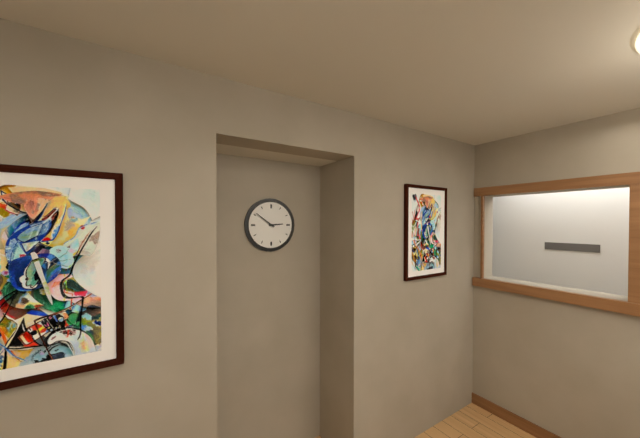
2h51
